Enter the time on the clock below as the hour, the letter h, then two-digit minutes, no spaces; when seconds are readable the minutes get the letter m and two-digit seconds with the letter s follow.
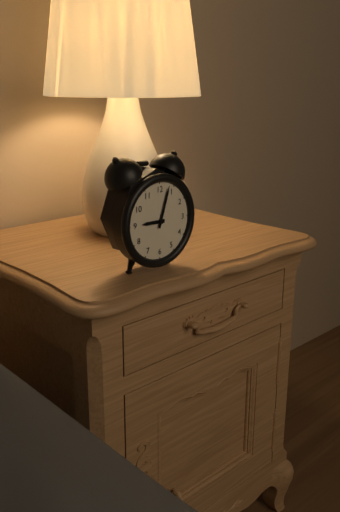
9h03
